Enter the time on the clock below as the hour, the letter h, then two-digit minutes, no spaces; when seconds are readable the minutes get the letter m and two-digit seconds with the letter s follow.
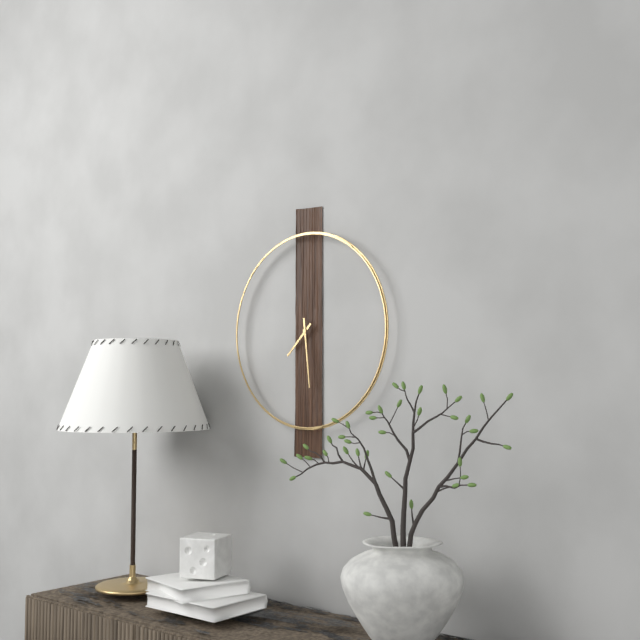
7h29
